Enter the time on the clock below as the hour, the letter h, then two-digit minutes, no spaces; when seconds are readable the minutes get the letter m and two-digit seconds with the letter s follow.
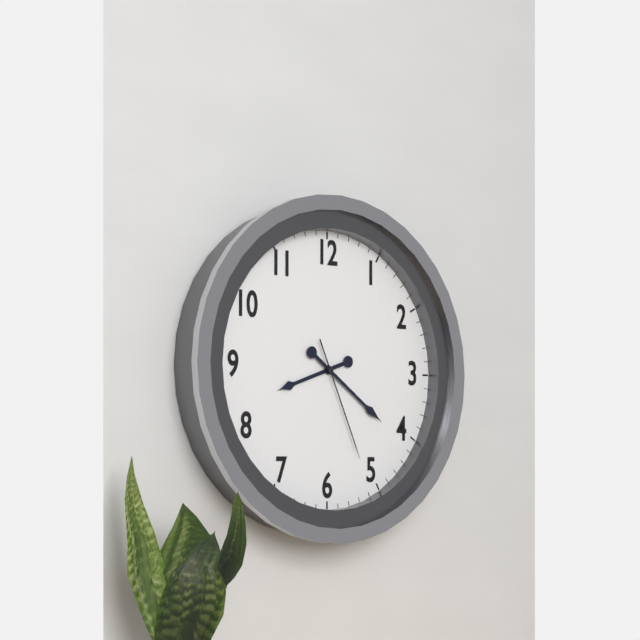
8h21m26s
